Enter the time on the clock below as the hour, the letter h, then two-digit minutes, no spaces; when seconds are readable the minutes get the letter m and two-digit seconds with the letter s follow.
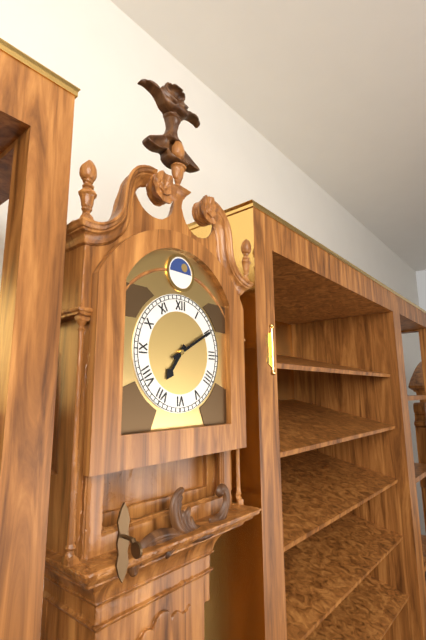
7h10
